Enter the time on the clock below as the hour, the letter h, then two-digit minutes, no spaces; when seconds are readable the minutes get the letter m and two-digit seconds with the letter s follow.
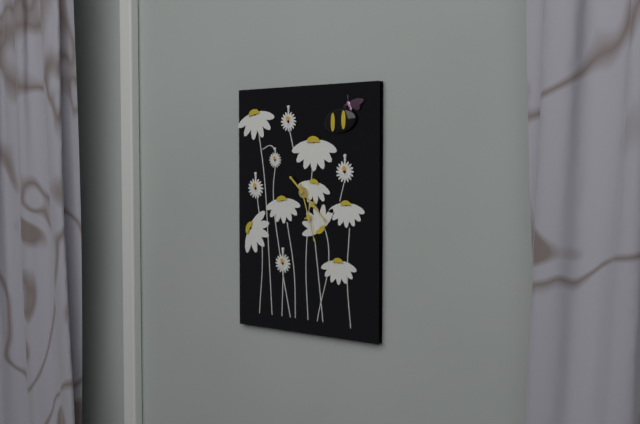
4h27
